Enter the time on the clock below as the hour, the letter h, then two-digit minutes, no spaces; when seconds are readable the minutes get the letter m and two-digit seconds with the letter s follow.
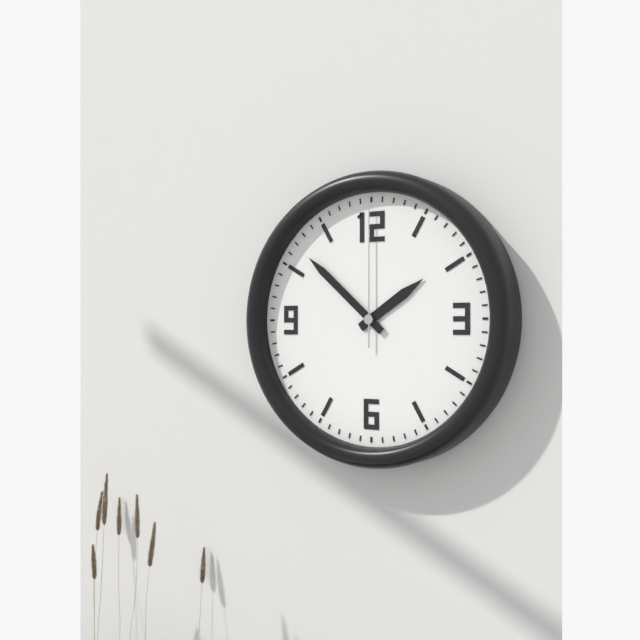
1h52m00s
